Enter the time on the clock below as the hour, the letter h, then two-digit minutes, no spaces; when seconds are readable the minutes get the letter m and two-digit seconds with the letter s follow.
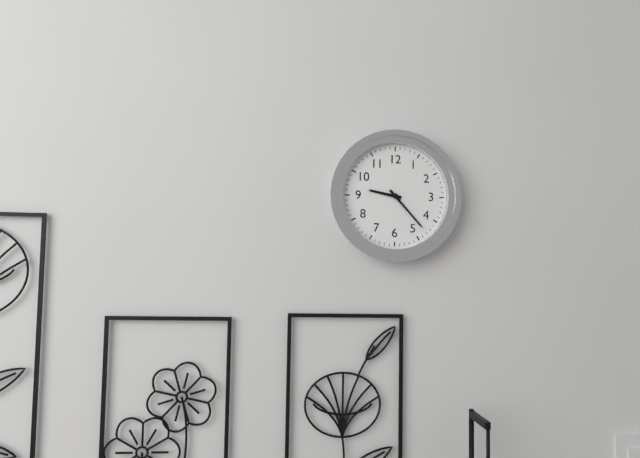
9h23
